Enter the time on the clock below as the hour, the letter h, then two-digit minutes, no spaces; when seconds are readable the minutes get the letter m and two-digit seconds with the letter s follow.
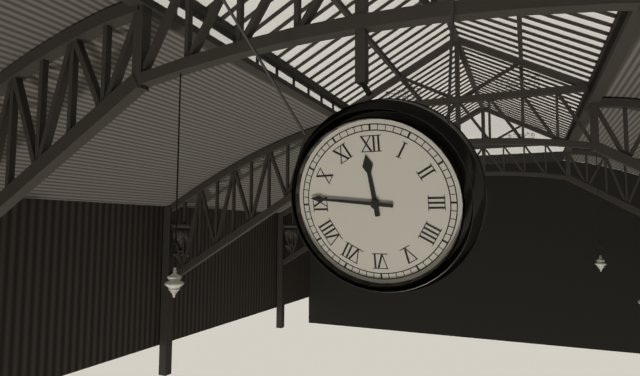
11h46
